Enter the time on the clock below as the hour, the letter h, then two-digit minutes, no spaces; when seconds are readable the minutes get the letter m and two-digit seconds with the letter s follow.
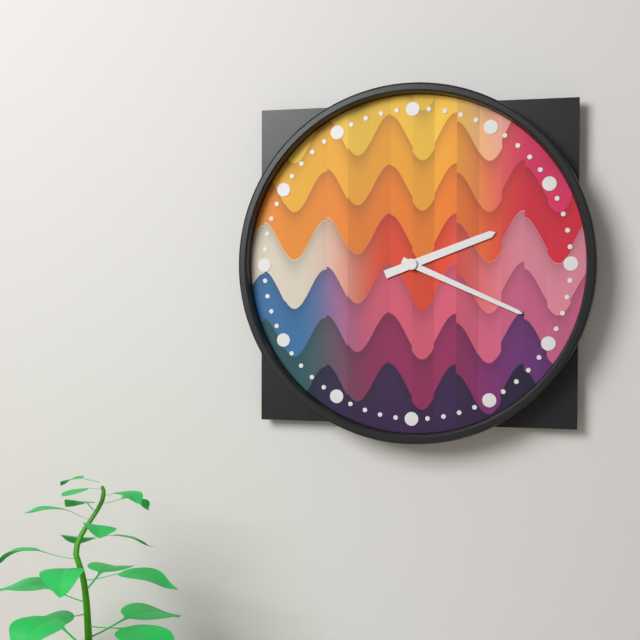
2h19
